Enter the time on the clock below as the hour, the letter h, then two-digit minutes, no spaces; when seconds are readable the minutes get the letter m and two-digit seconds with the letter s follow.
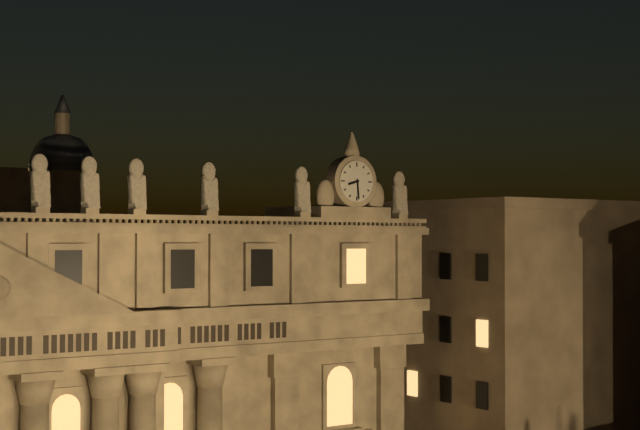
8h29
